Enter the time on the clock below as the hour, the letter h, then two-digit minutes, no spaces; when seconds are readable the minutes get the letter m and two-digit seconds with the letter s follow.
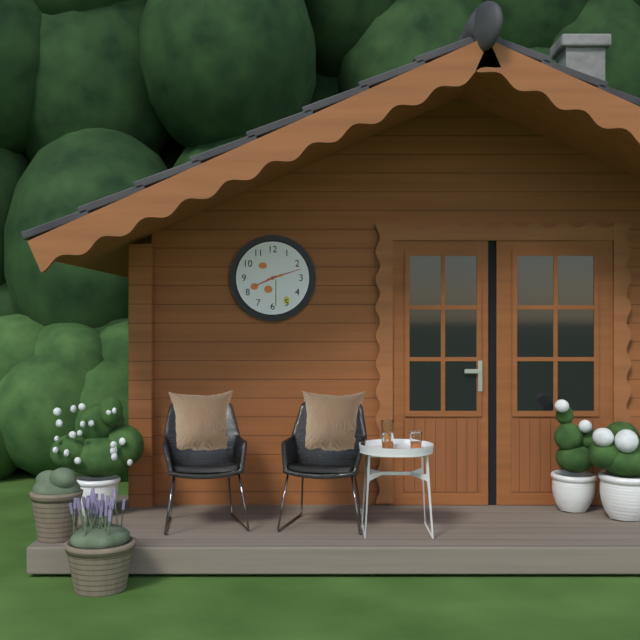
8h12
